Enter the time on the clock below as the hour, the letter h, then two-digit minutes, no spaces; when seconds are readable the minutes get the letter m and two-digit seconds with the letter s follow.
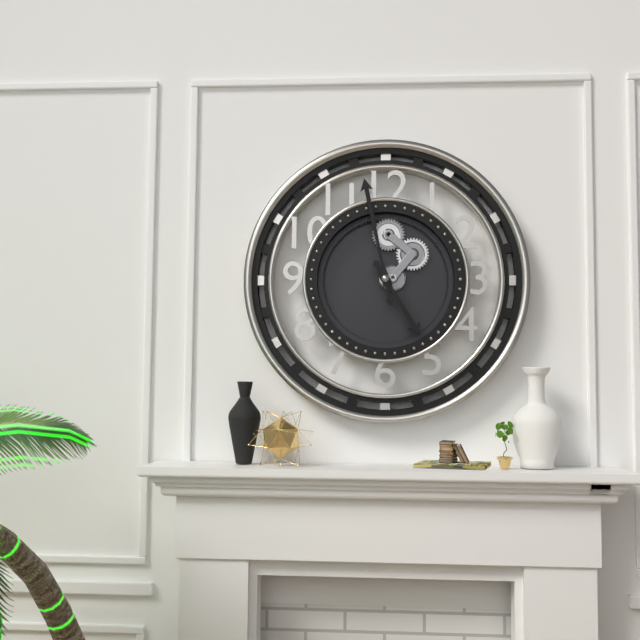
4h58
